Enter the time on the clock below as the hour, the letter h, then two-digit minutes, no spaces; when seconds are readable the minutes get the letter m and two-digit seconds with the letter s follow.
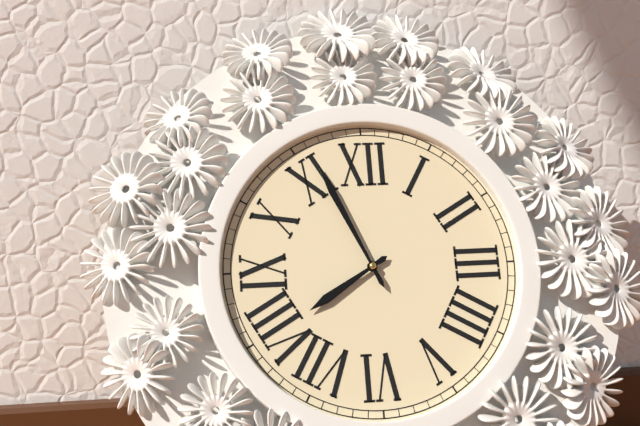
7h56
